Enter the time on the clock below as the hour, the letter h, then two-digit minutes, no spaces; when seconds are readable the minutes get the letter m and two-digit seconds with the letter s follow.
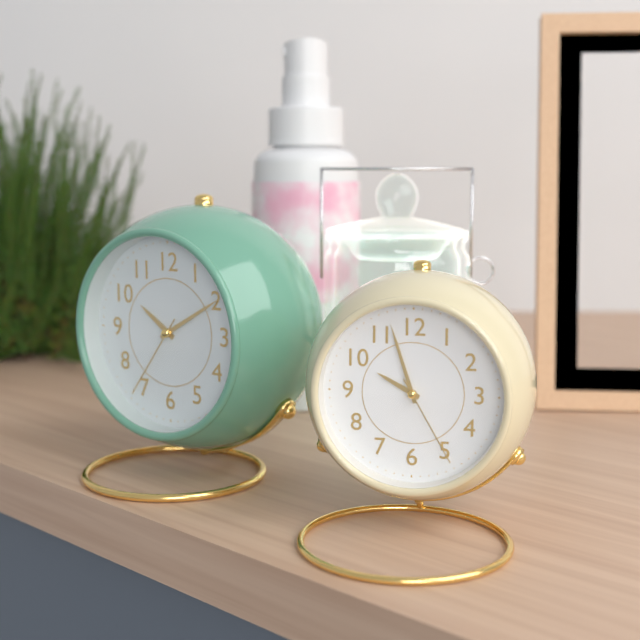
9h57m25s
